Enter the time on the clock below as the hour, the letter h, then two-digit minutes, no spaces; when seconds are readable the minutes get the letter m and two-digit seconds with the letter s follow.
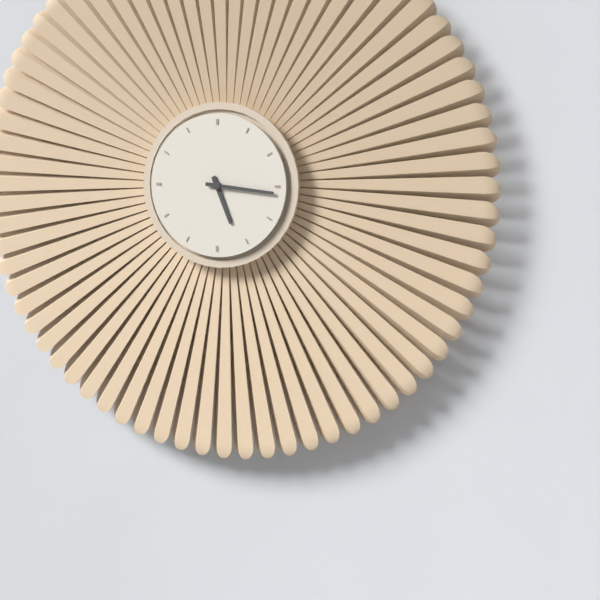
5h16
